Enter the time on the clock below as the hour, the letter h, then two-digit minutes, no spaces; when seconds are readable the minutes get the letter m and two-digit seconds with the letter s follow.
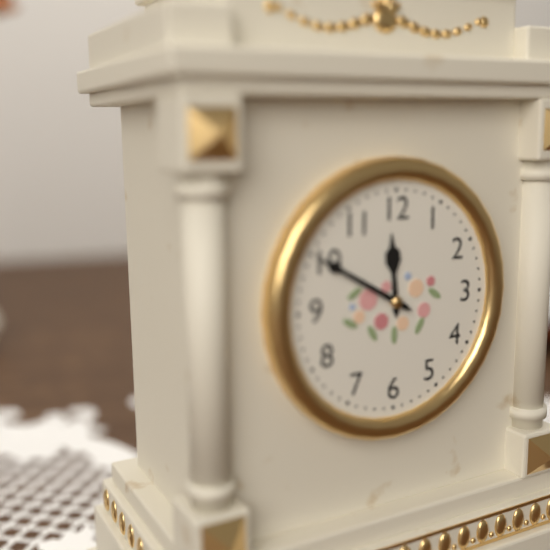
11h50
